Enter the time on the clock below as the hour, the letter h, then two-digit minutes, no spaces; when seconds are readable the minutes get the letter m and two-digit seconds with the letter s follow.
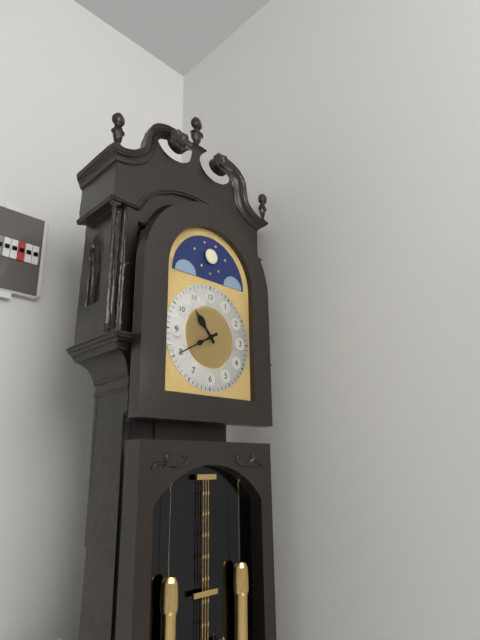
10h40
